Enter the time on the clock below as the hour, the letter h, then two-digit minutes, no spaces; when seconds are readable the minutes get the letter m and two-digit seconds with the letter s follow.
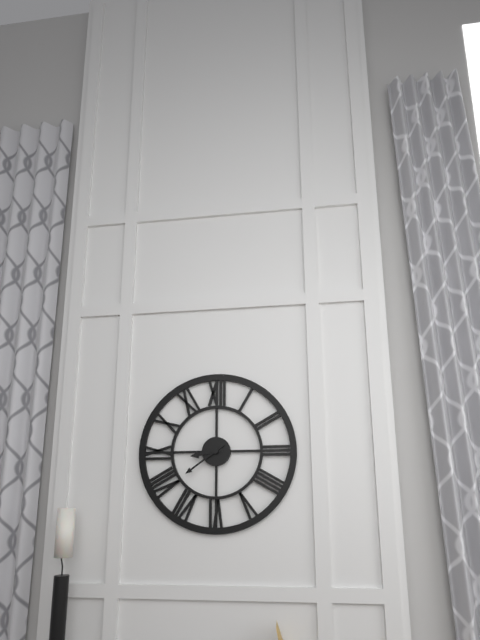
8h39
